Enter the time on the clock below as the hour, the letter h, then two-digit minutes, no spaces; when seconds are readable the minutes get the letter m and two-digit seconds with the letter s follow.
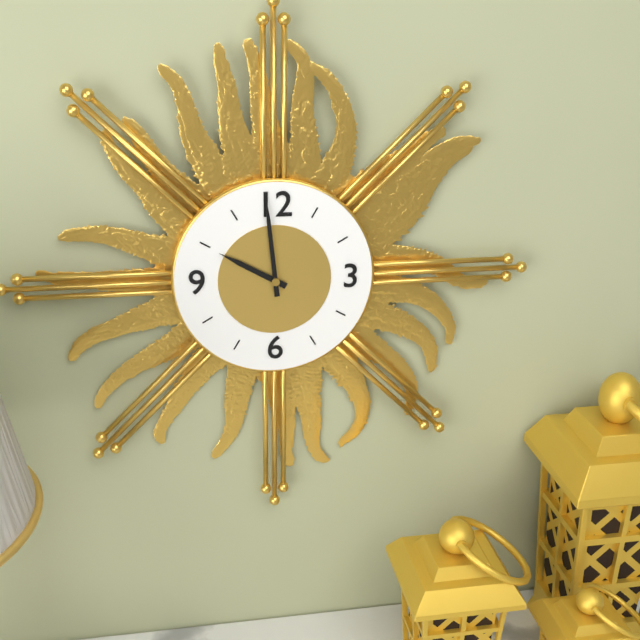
9h59
